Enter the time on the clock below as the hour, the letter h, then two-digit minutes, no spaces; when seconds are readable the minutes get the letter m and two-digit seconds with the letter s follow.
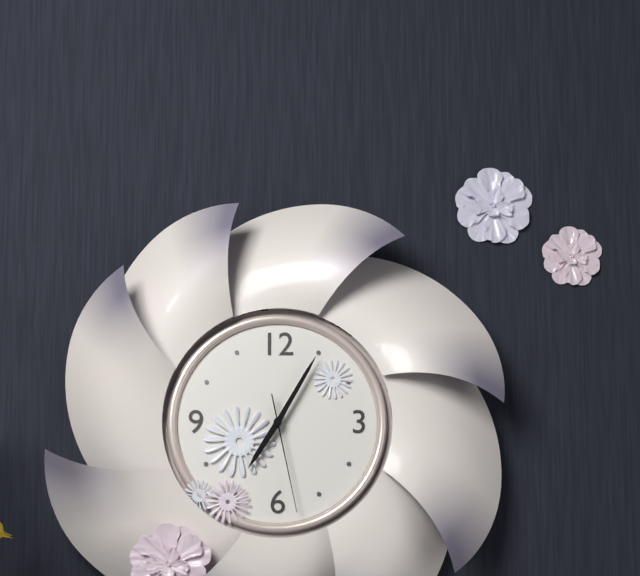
7h05m28s
